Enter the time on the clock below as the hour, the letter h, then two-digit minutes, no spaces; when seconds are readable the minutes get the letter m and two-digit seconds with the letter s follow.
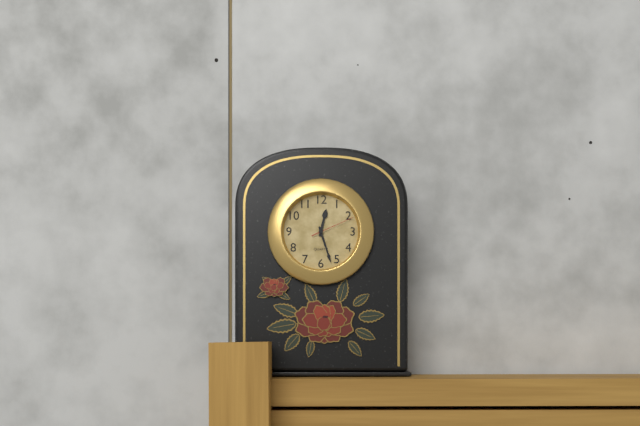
12h27
